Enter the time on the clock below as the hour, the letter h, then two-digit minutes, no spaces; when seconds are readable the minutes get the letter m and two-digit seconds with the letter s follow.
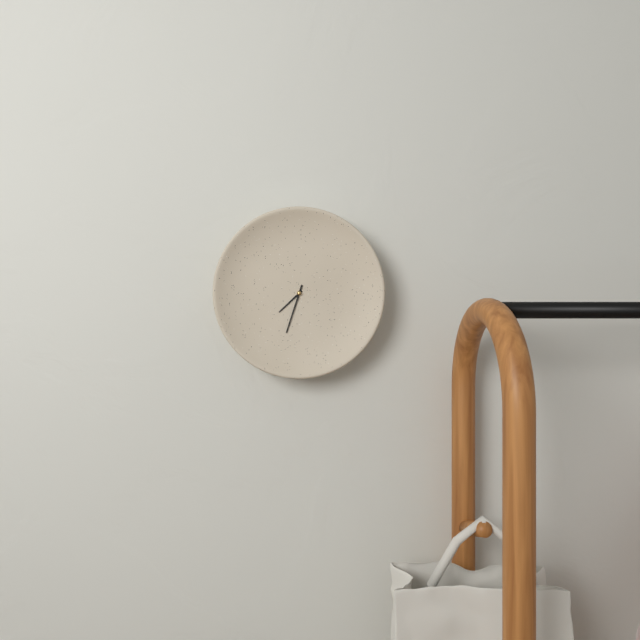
7h33
